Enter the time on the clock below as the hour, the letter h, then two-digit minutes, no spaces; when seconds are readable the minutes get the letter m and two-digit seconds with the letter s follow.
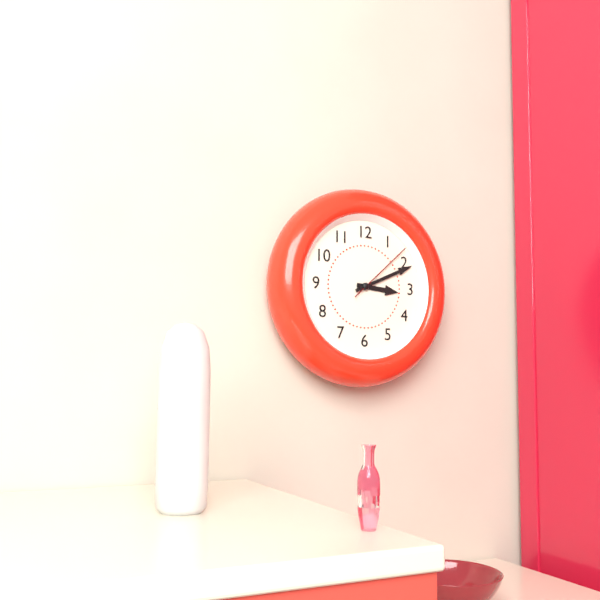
3h11m08s
